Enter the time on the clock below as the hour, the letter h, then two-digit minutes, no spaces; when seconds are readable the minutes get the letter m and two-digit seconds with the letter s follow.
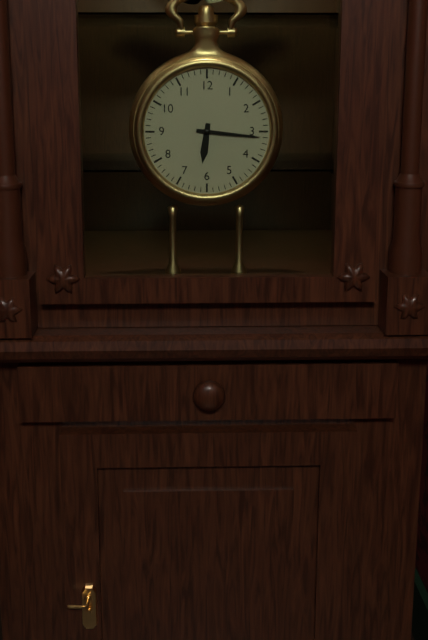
6h16
